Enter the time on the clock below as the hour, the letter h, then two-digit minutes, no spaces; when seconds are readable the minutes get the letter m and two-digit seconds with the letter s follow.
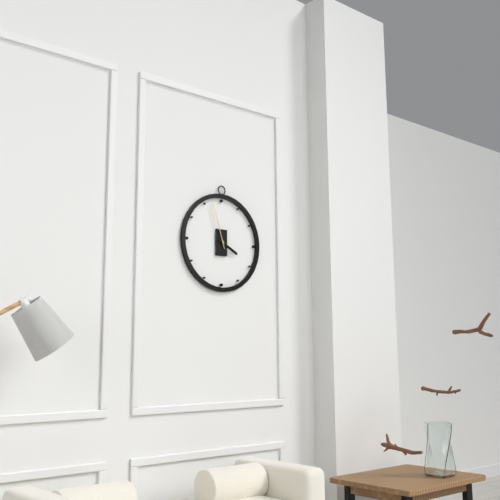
3h57
